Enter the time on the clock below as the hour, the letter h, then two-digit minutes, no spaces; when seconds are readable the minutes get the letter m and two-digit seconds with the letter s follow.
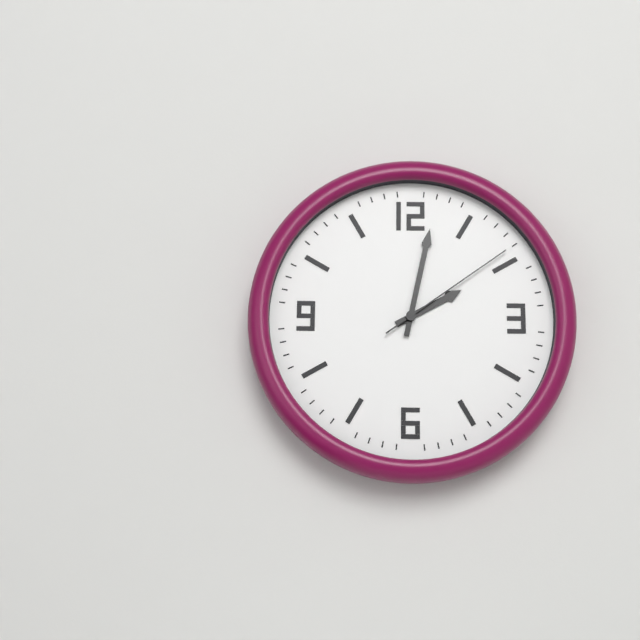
2h02m09s
